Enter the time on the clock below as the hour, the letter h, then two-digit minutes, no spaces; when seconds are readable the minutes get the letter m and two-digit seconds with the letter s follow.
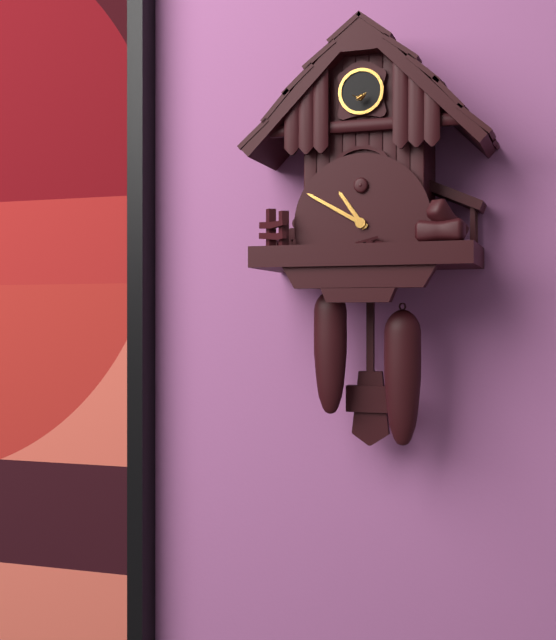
10h50
